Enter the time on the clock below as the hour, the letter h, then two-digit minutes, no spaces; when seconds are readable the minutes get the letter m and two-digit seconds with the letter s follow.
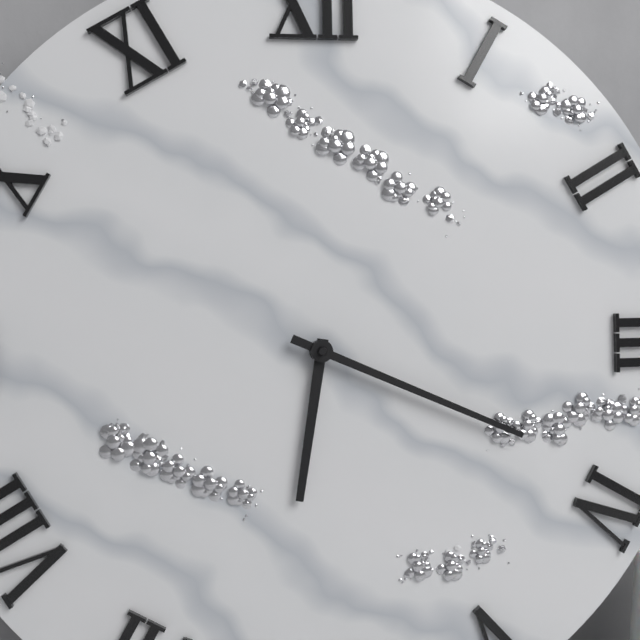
6h19
